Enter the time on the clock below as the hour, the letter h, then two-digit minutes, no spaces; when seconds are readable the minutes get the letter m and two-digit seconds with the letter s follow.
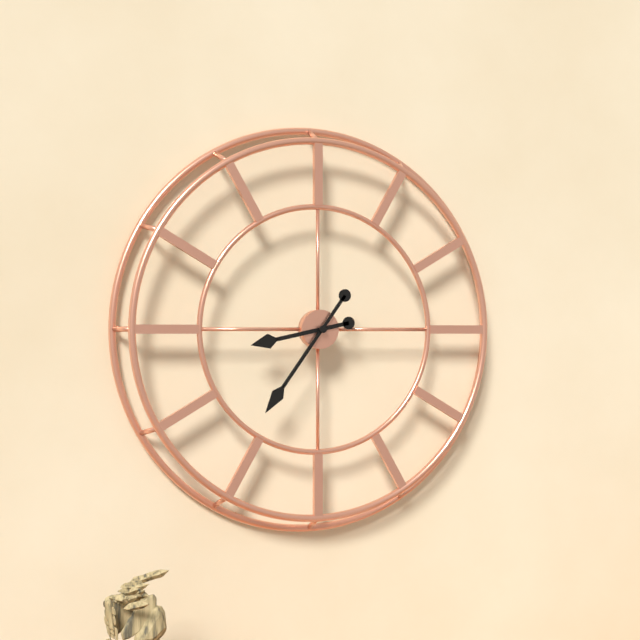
8h36
